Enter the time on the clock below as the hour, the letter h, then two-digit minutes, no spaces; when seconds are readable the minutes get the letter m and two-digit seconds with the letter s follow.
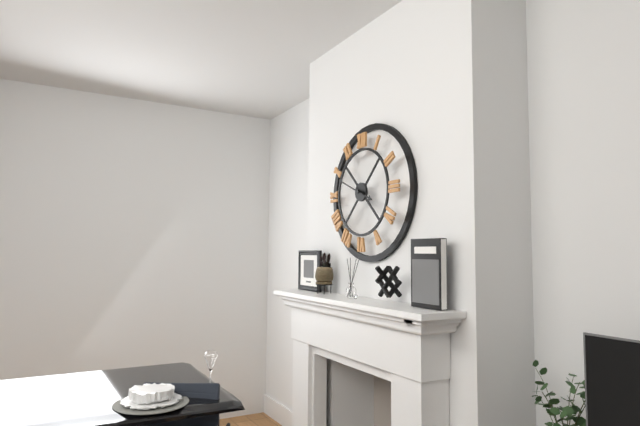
3h49
